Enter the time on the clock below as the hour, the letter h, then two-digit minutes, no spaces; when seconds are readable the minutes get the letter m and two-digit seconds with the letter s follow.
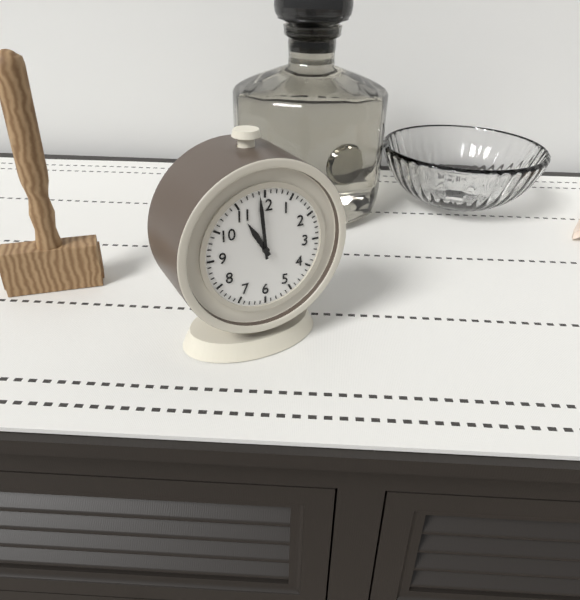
10h59
